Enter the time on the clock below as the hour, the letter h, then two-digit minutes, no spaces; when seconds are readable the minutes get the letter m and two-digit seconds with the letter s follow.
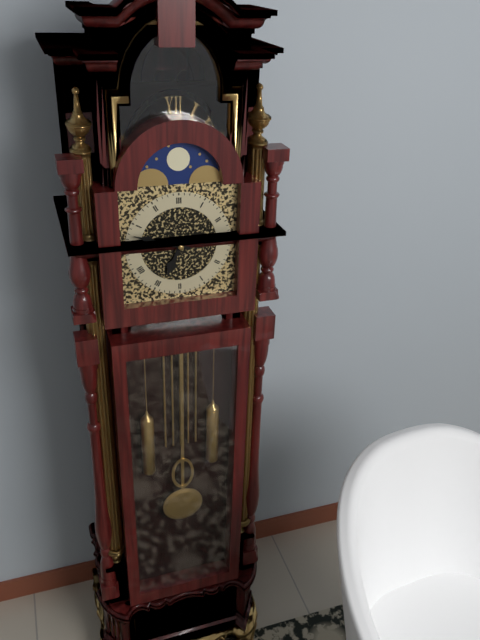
6h48
